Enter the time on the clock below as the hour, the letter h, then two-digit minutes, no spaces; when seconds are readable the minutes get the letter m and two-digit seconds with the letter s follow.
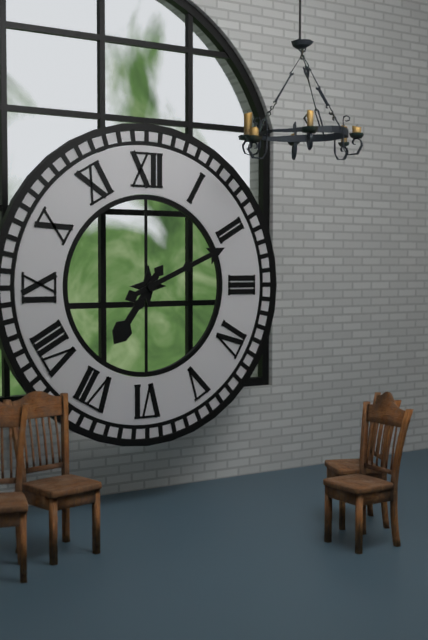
7h11
